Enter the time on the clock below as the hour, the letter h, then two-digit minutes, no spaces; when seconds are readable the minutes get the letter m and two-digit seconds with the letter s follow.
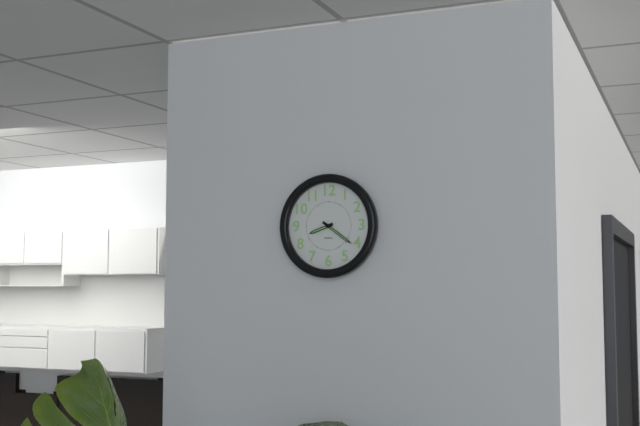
8h21
